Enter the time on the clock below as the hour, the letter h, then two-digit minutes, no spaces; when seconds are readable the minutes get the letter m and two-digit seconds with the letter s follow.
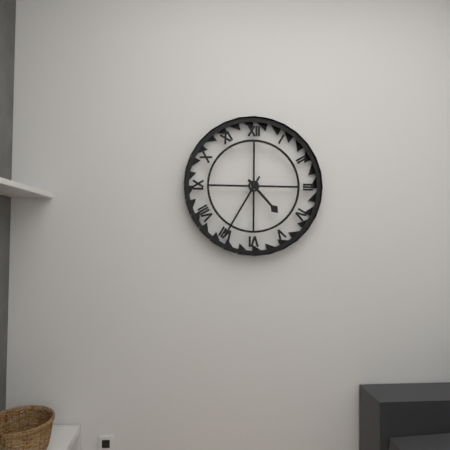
4h35
